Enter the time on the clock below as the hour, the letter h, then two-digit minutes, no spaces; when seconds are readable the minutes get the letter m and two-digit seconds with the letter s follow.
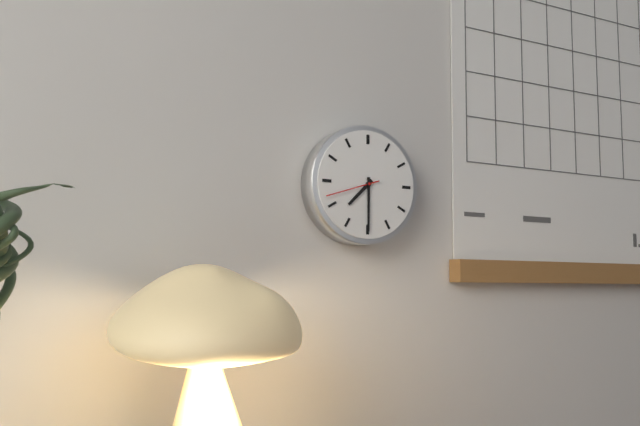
7h30m42s
